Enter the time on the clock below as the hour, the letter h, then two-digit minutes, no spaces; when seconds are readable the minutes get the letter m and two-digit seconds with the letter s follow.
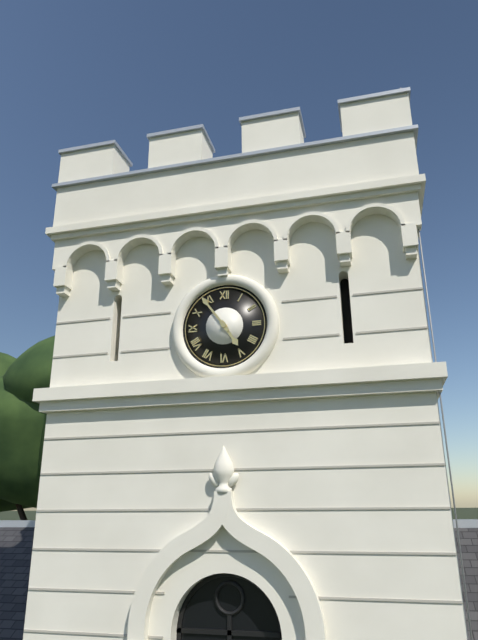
4h54
